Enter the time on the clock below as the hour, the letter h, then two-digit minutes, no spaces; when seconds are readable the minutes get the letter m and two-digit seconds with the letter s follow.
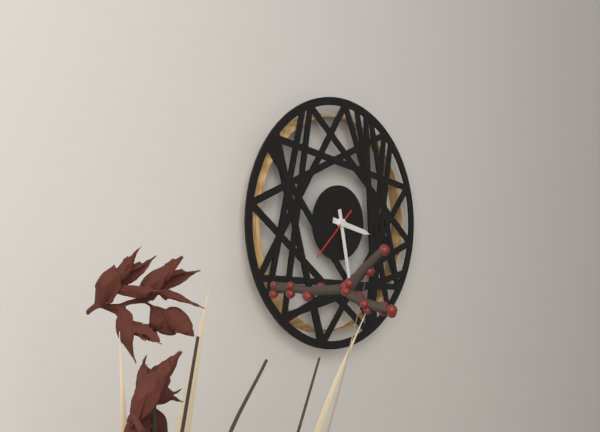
3h28m38s
